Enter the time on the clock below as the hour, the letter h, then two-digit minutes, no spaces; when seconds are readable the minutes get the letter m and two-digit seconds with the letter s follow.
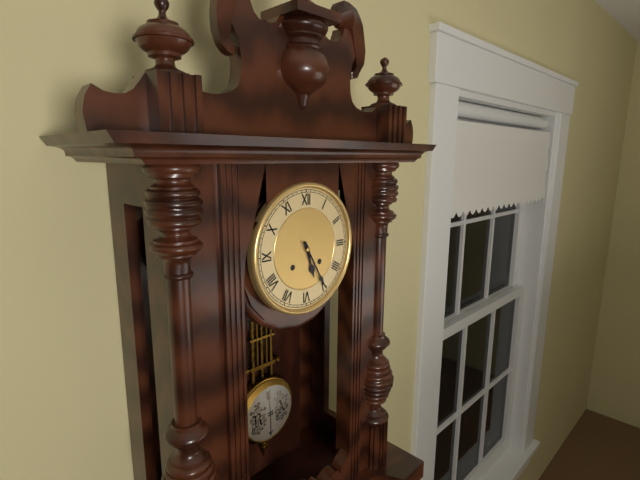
5h25
